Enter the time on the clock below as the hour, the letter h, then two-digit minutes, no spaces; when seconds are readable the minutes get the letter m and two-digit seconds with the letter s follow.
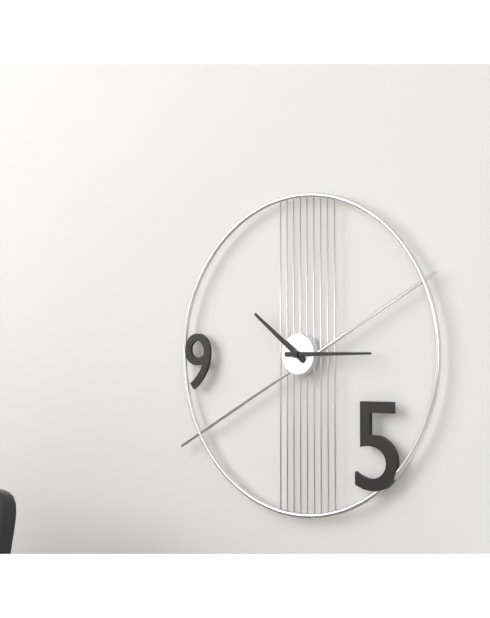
10h15
